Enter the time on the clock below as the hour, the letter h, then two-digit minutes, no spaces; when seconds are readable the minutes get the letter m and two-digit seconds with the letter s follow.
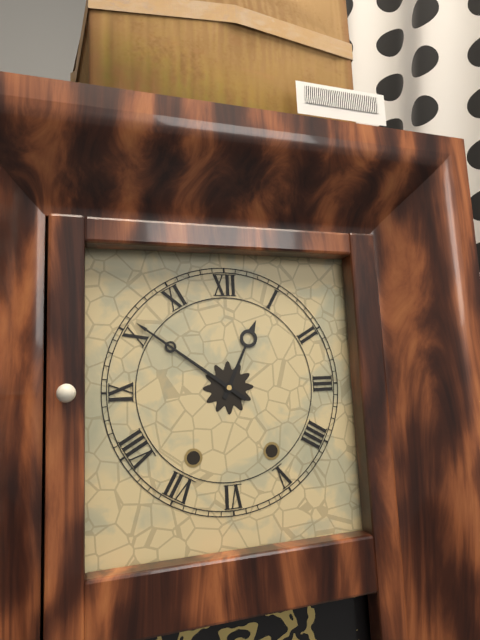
12h51
